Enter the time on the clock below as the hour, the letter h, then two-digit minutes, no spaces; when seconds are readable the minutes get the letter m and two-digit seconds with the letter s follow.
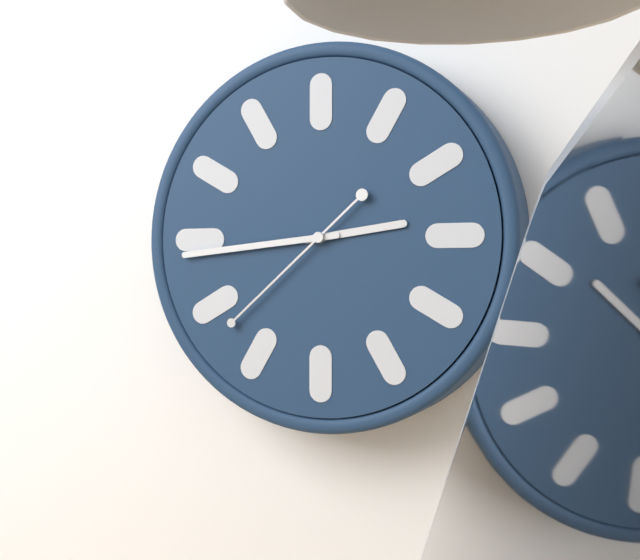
2h44m38s
